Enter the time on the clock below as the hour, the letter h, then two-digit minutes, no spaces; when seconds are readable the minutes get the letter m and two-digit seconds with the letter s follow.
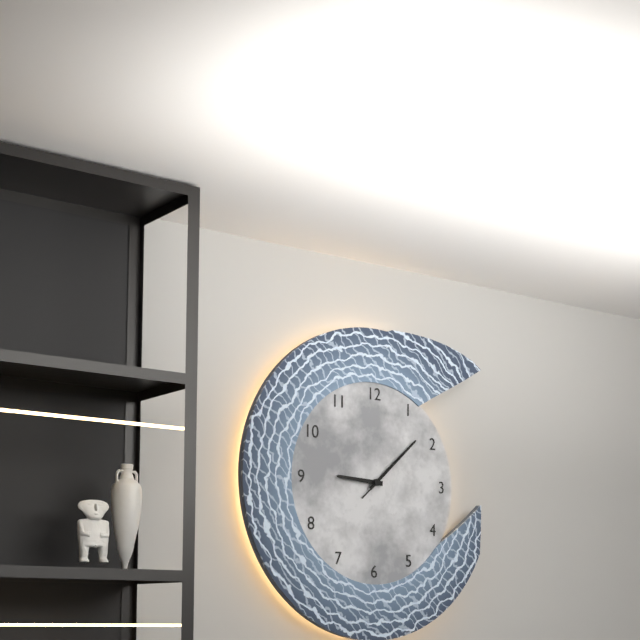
9h08m08s
